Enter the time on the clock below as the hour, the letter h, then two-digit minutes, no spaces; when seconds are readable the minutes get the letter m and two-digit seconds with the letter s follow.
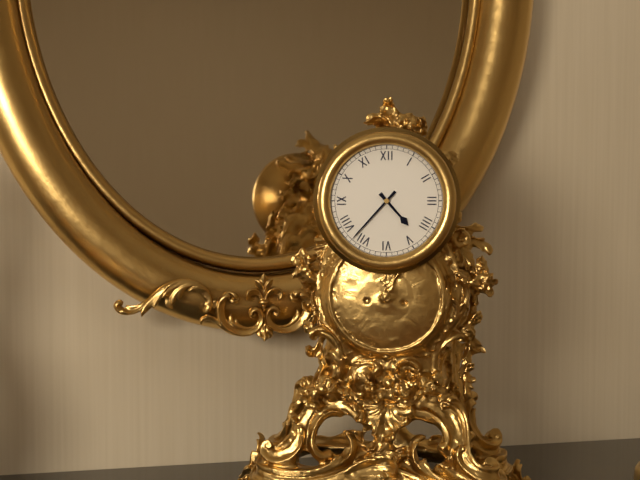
4h37
